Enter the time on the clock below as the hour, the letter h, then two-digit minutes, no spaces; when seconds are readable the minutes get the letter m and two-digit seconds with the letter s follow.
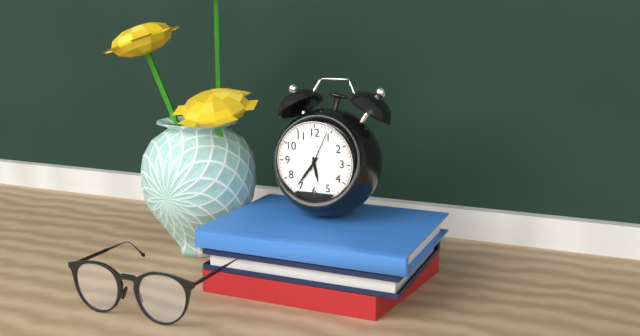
5h36
